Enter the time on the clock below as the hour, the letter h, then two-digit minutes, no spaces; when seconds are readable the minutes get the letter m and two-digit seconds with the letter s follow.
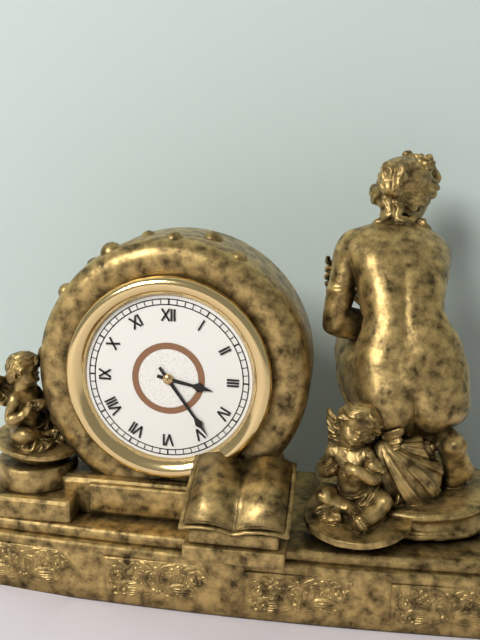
3h24
